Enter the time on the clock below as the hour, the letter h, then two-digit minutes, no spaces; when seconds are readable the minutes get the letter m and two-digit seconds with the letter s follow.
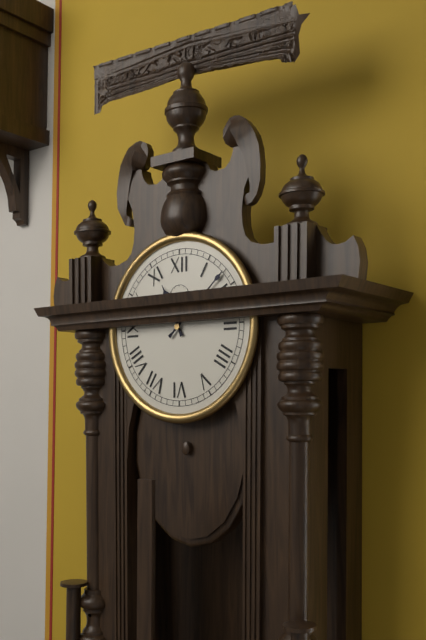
11h08
